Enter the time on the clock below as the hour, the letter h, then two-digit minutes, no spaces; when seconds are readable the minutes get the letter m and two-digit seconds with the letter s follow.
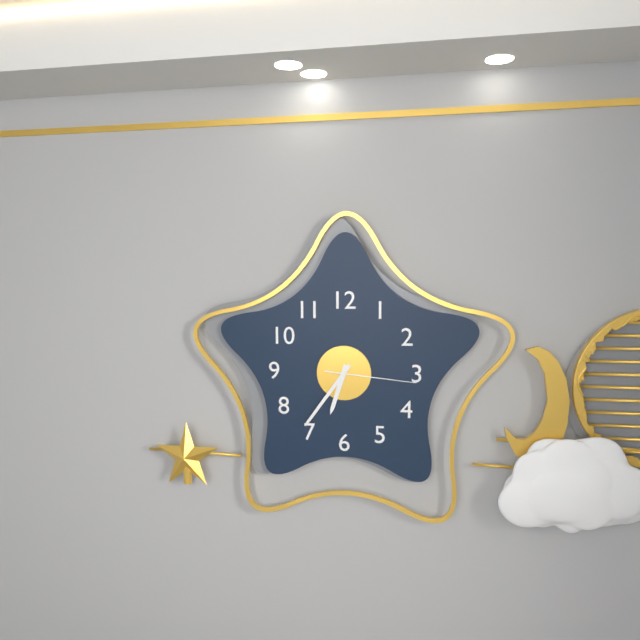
6h36m16s
